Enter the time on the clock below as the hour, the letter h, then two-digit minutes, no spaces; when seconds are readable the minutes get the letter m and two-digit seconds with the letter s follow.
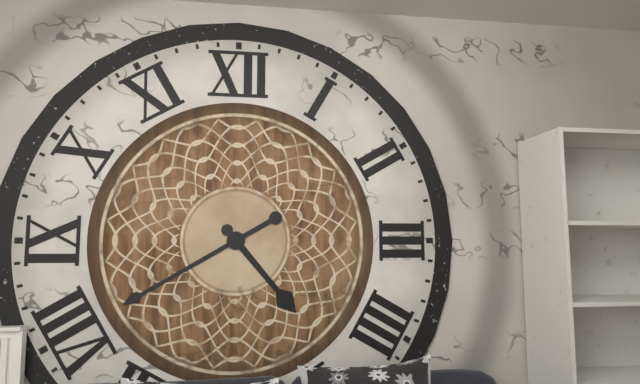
4h40
